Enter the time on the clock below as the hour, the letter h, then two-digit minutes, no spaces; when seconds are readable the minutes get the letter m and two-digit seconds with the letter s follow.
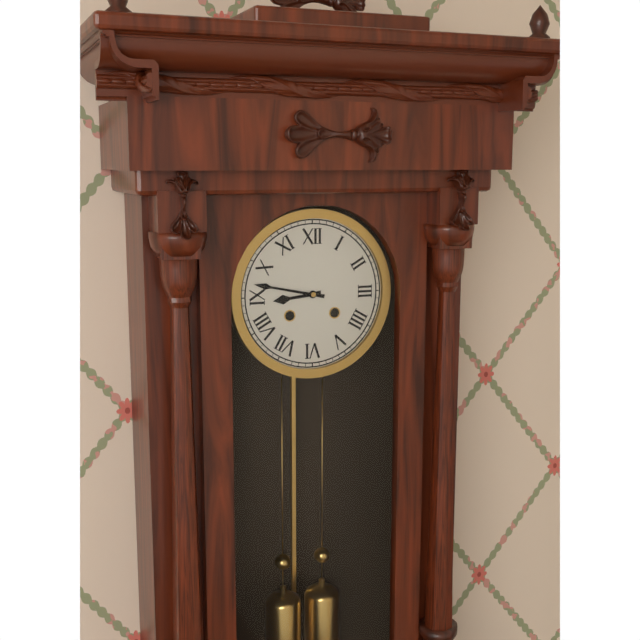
8h47
